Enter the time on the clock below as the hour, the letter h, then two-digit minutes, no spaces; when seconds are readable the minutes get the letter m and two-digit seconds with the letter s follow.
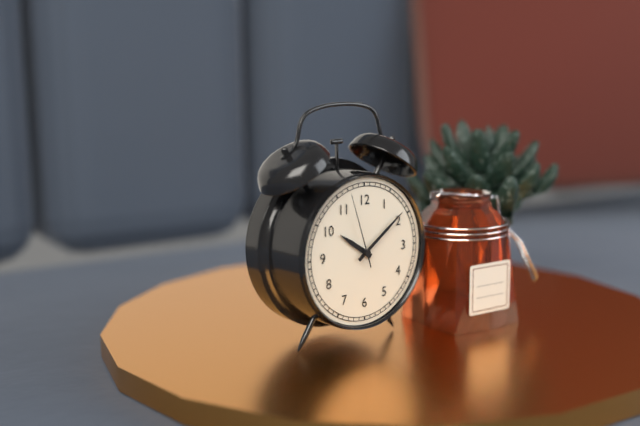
10h09m57s
